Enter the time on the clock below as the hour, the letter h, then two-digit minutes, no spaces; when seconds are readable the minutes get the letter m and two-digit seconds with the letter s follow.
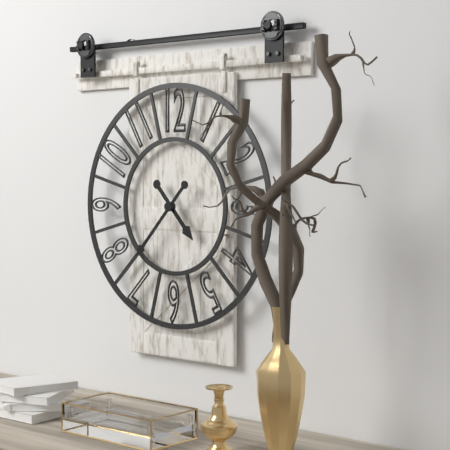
4h37
